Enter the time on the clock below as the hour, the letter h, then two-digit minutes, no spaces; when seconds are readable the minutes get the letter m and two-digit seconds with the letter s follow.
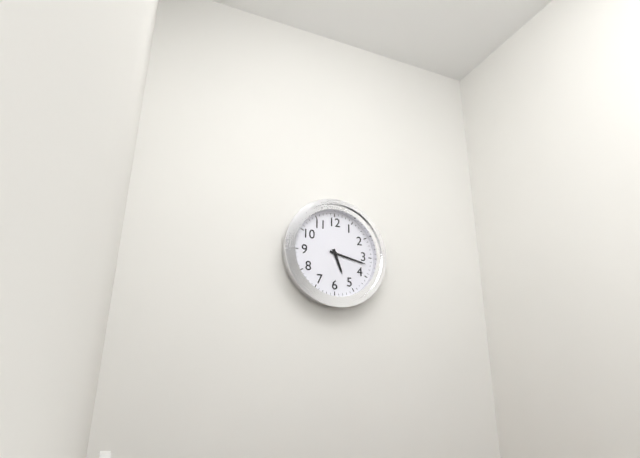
5h17
